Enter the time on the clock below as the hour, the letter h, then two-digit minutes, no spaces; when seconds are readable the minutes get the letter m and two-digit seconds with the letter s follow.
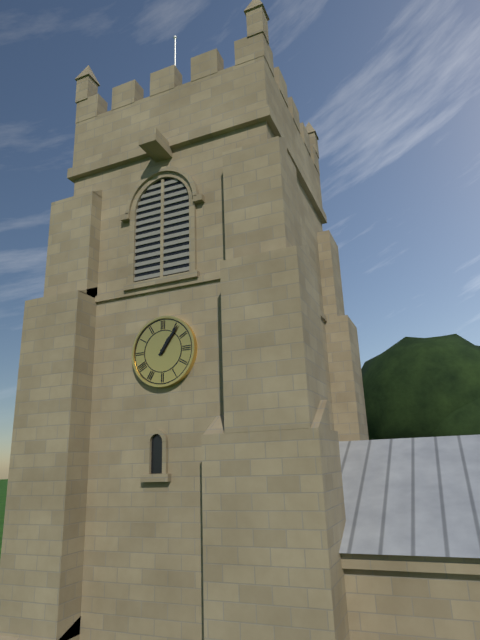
1h06
